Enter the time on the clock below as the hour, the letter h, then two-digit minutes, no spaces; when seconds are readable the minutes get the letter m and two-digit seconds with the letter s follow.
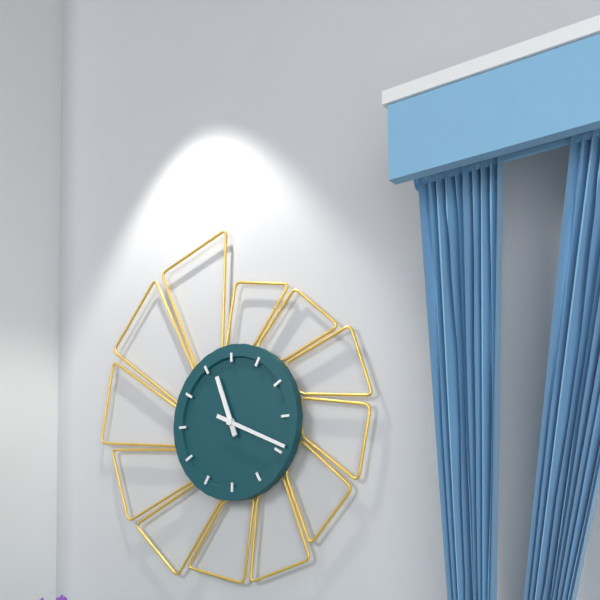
11h19
